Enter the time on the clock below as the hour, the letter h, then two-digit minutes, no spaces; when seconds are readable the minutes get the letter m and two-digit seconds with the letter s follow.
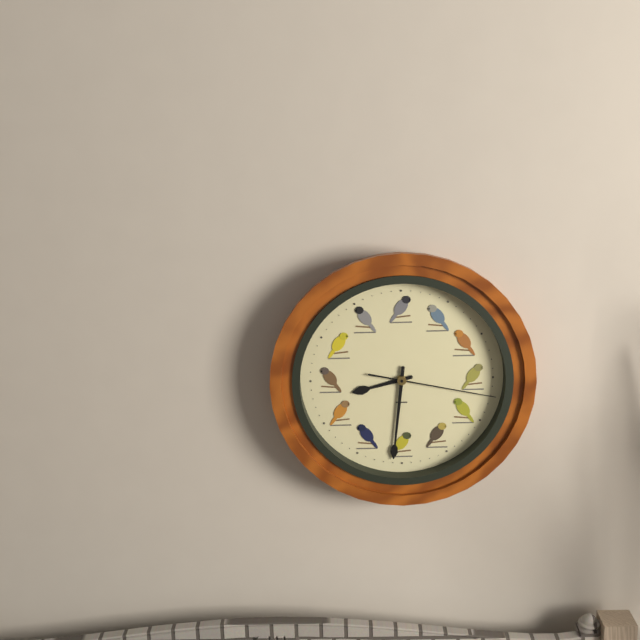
8h31m17s
